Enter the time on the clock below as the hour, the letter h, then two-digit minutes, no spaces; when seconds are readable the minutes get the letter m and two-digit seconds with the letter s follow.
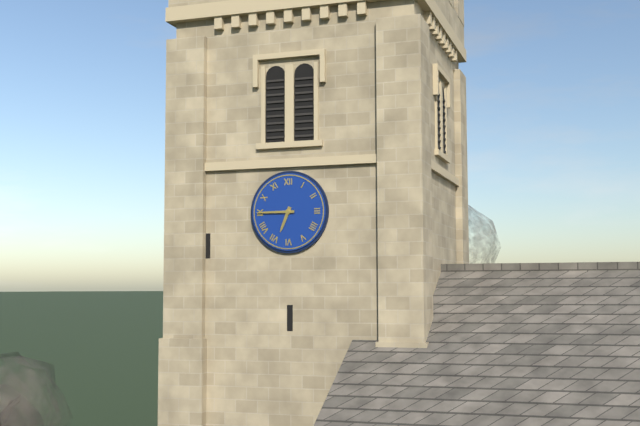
6h45
